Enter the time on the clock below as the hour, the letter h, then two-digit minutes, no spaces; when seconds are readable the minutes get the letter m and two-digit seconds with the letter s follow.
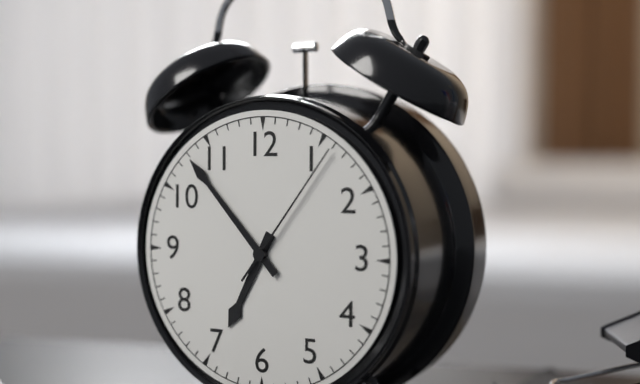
6h53m06s
